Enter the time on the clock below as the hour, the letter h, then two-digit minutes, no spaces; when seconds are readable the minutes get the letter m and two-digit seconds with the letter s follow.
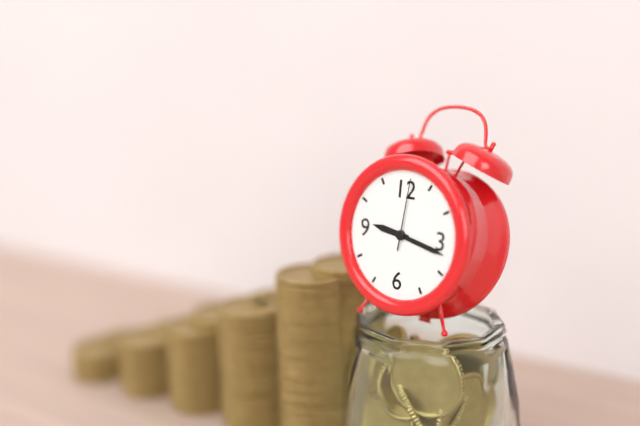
9h17m01s
